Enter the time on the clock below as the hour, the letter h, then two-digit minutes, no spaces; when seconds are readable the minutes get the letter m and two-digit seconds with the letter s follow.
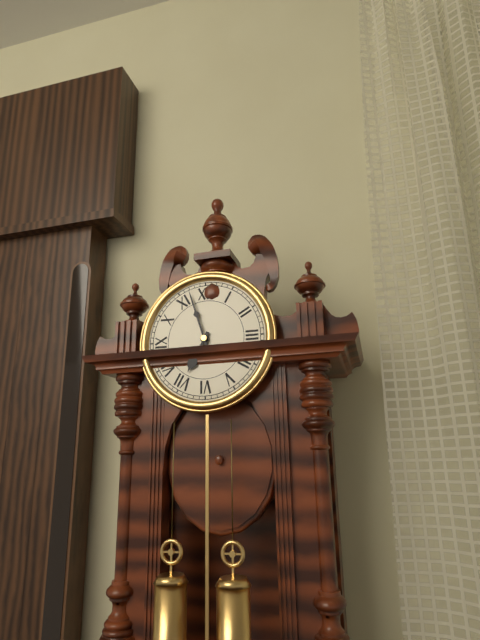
6h57
